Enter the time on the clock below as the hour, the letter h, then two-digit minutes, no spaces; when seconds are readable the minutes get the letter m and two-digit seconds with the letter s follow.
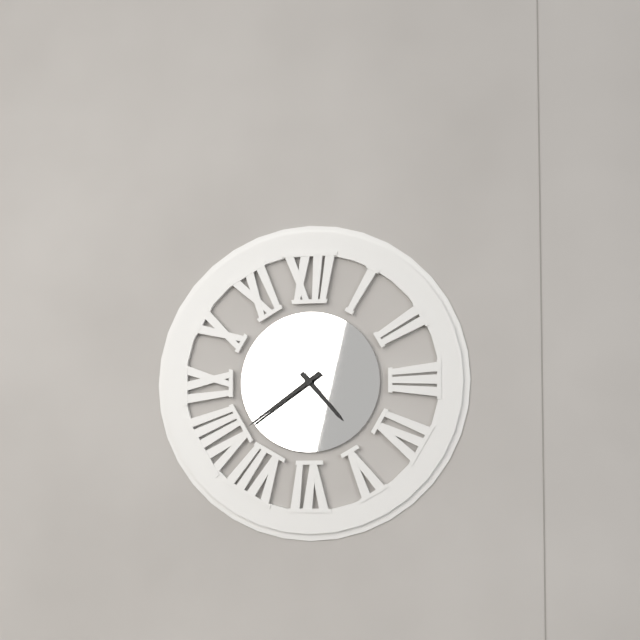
4h39
